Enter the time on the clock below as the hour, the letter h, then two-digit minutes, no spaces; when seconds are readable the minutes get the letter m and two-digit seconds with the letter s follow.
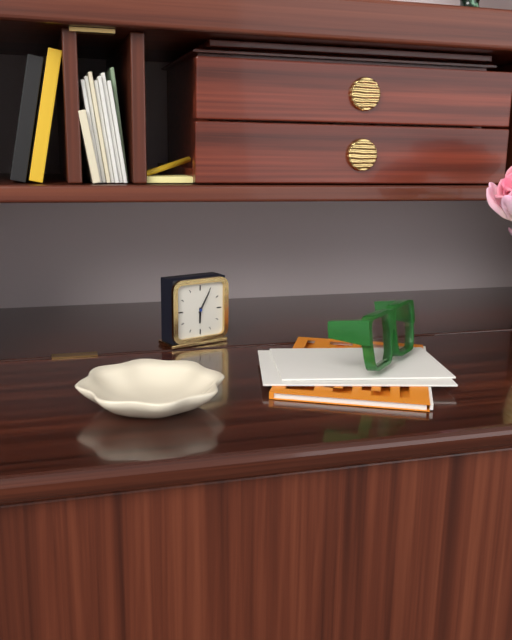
6h05
